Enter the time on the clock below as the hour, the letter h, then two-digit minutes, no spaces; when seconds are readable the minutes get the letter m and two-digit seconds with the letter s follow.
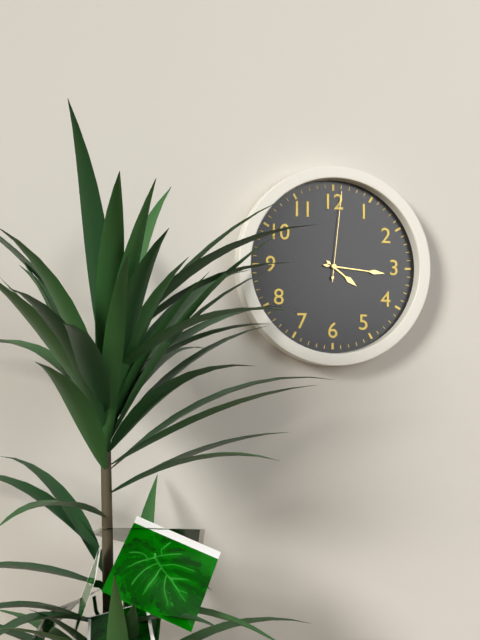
4h16m01s
